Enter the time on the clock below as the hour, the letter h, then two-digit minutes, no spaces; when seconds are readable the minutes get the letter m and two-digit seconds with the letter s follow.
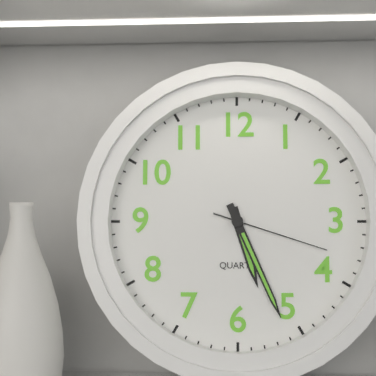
5h26m18s
